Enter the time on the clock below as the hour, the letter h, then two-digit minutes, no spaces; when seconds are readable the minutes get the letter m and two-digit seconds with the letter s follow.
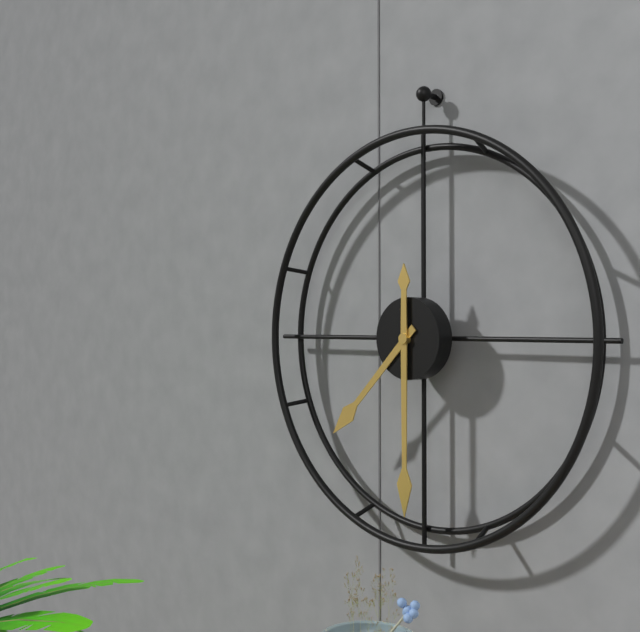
7h30
